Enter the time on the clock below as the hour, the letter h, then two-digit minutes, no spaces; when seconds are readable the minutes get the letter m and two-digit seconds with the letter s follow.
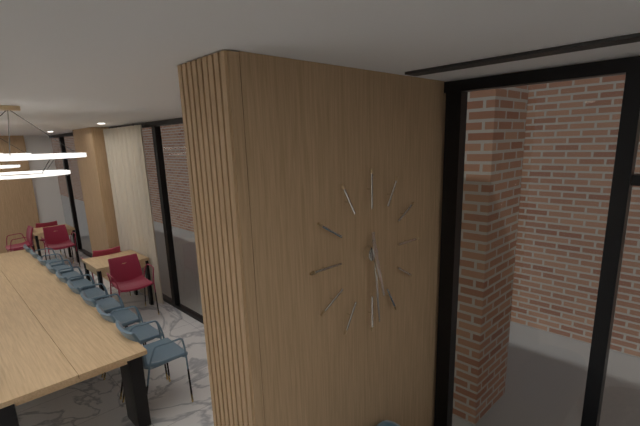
5h29
